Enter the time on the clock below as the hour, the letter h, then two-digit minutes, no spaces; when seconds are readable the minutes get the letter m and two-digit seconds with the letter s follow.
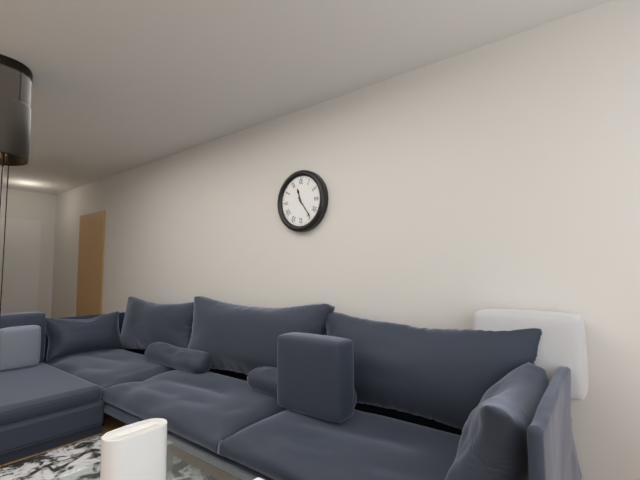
11h24
